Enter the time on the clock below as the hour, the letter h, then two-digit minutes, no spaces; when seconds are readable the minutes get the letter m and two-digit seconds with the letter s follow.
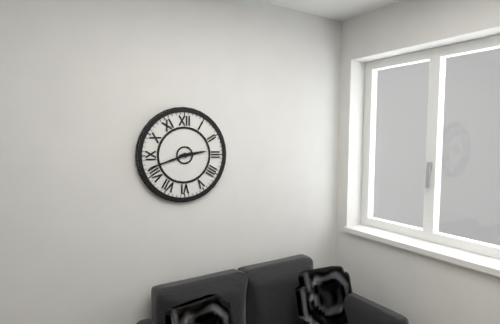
2h42
